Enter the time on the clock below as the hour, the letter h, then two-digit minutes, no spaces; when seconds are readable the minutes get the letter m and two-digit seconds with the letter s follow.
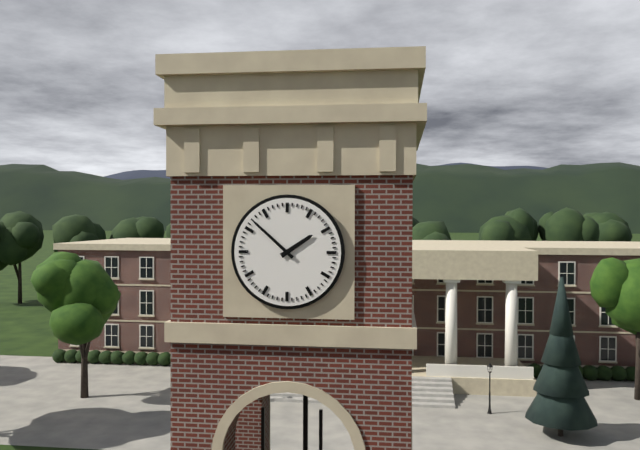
1h52
